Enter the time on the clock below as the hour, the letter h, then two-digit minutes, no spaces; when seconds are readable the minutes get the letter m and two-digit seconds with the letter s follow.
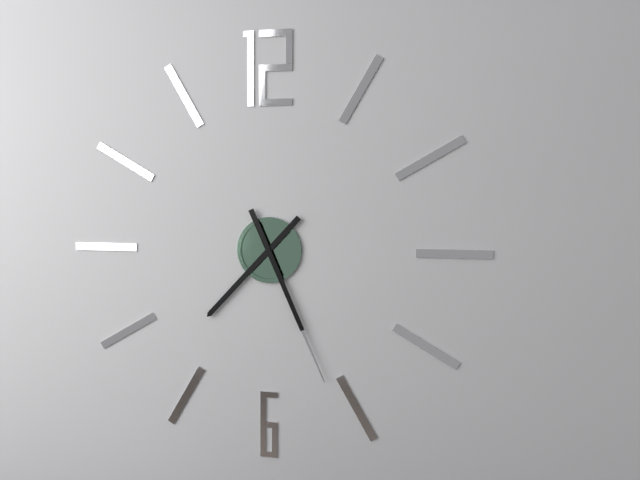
7h26
